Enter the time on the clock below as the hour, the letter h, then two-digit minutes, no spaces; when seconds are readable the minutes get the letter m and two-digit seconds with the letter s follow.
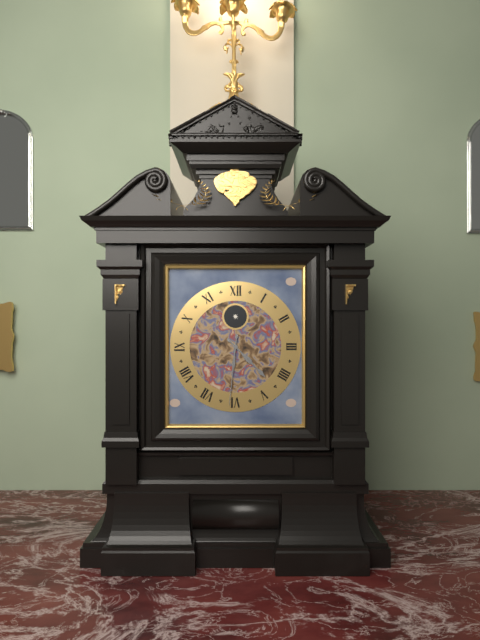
4h31
